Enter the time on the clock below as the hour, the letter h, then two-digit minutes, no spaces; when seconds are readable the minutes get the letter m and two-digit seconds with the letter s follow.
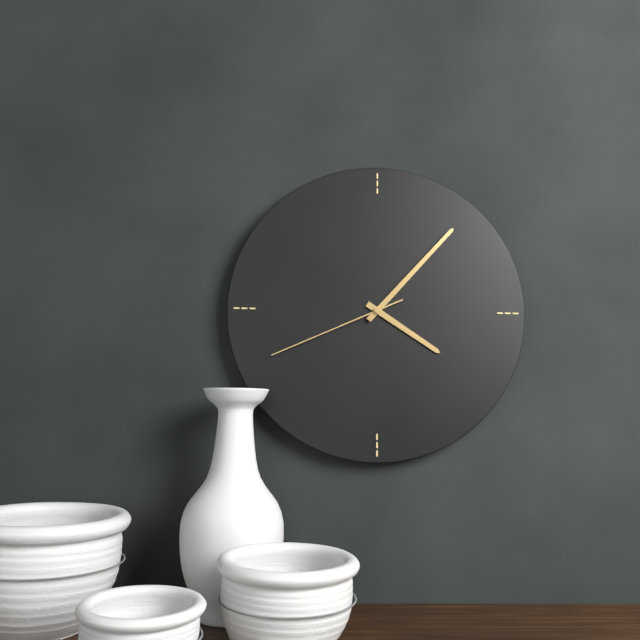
4h07m41s
